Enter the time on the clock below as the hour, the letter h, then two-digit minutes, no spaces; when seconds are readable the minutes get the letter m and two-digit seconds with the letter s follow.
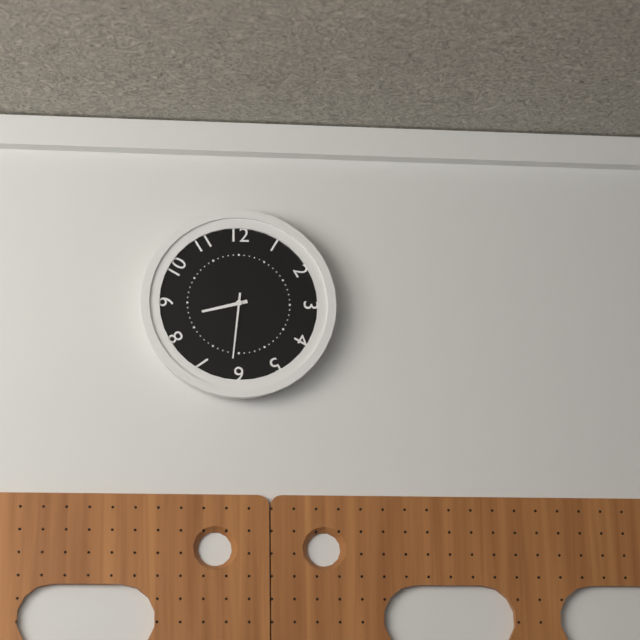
8h31
